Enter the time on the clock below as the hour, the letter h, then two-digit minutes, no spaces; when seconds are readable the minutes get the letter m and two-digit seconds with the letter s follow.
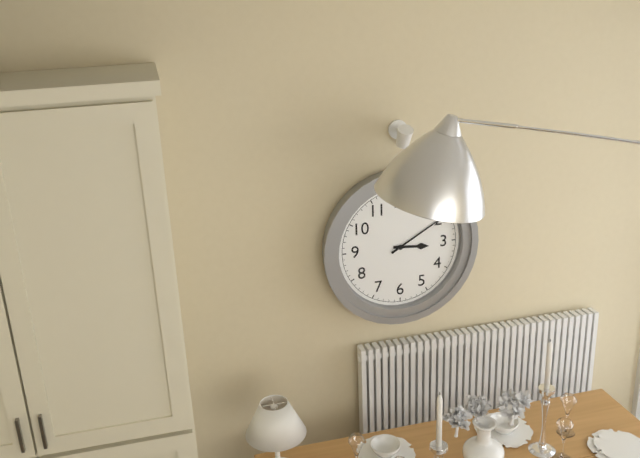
3h10
